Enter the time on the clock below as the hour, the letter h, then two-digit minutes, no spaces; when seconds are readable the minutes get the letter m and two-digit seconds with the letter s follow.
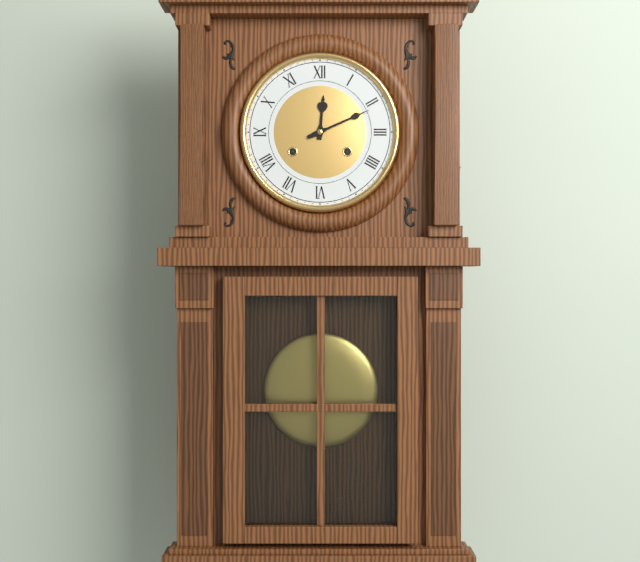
12h11
